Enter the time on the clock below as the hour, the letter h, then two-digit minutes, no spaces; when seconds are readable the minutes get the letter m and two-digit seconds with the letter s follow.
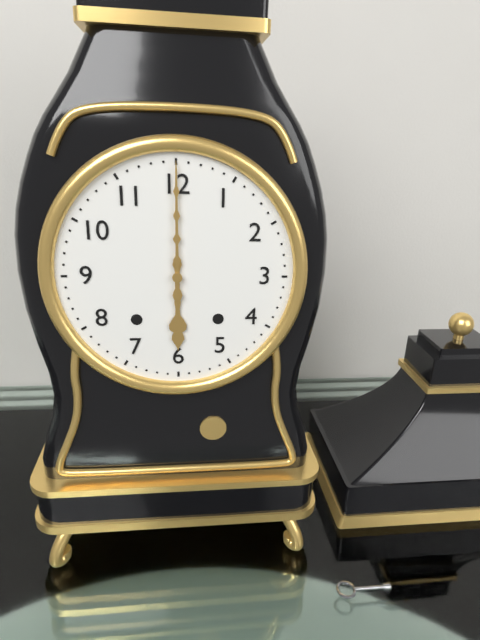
6h00
